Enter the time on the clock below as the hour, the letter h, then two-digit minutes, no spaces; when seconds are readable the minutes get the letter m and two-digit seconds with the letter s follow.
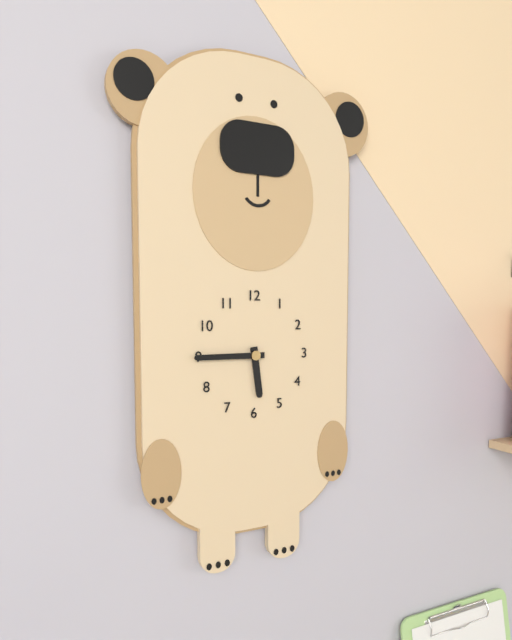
5h45
